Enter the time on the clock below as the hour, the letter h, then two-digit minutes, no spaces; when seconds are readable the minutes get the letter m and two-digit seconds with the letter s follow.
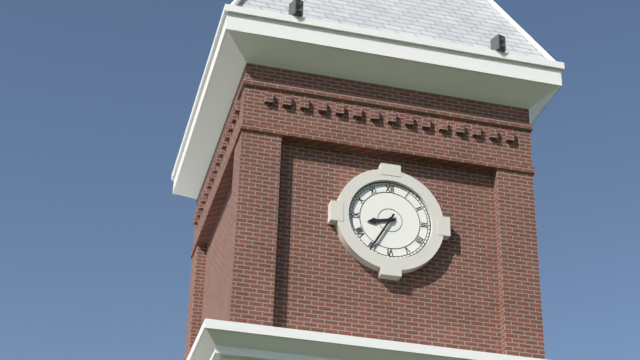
8h35
